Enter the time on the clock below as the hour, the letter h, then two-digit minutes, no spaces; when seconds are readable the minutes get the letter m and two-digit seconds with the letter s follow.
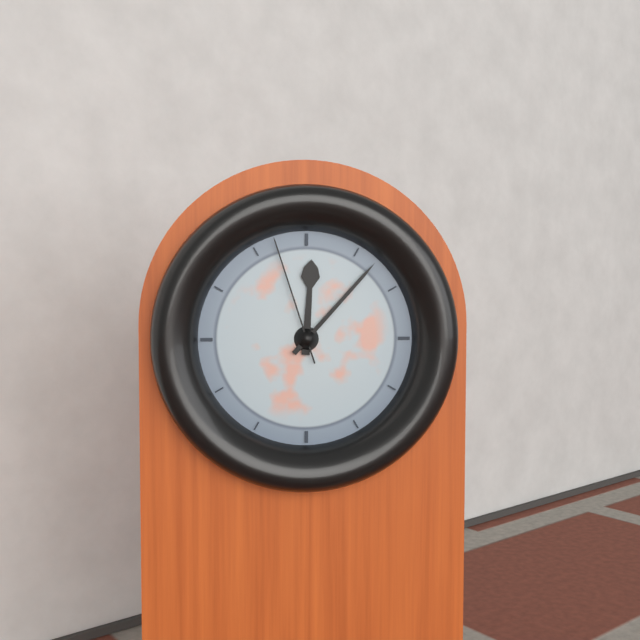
12h07m57s
